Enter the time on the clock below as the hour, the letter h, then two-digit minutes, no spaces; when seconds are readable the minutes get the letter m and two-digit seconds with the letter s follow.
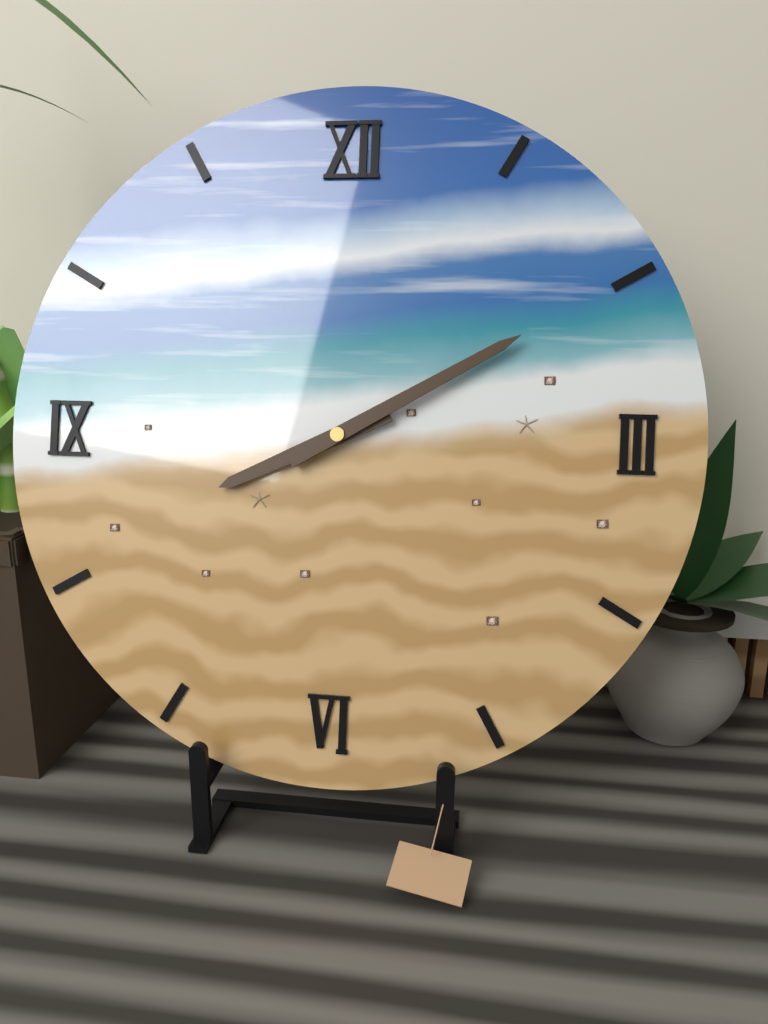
8h10
